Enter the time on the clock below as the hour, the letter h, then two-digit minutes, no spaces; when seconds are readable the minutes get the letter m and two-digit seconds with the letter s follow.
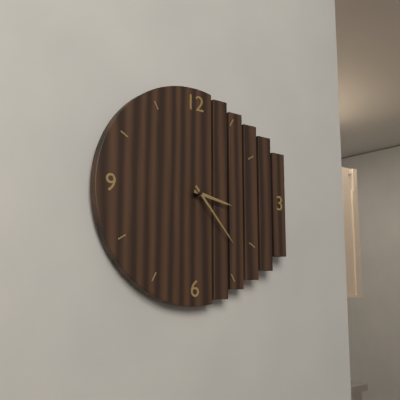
3h23
